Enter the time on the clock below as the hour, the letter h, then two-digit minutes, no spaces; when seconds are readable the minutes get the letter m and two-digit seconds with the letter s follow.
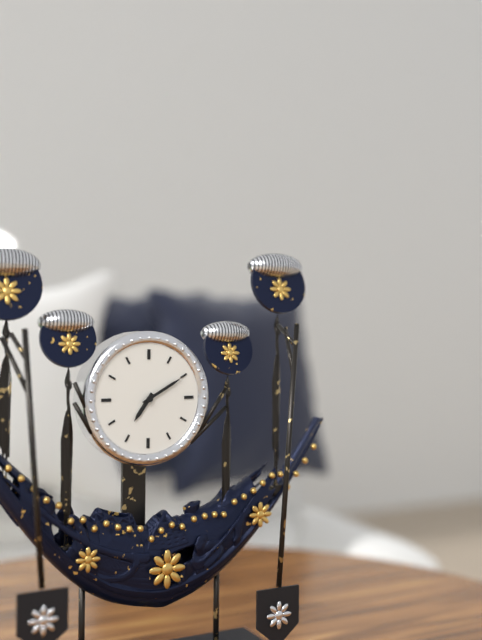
7h10
